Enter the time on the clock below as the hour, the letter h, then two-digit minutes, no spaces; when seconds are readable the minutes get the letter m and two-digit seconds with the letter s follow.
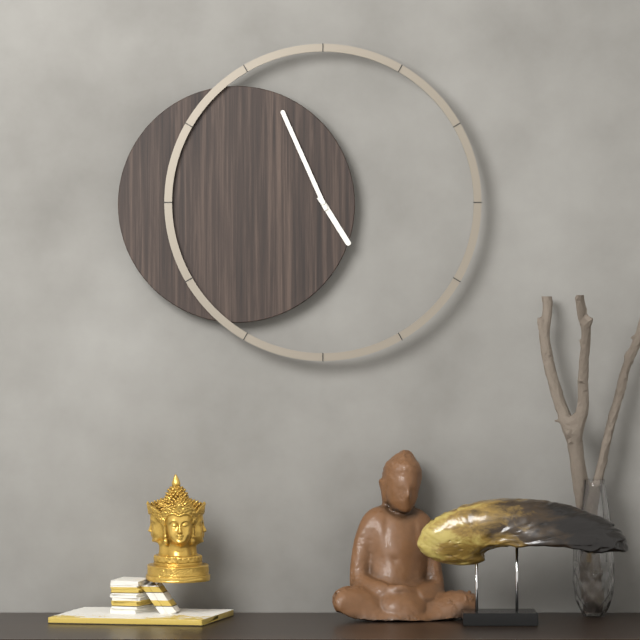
4h56
